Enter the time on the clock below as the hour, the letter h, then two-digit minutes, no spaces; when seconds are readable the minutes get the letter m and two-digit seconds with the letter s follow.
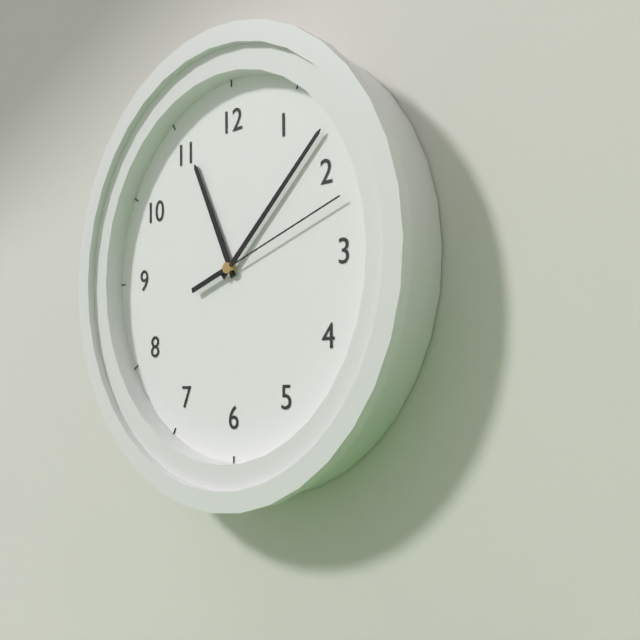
11h08m12s
